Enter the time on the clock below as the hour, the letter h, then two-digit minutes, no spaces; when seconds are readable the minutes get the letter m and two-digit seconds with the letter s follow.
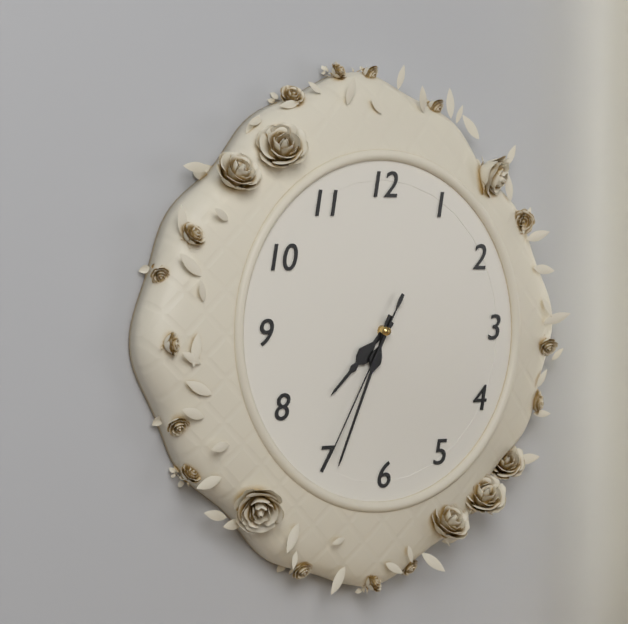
7h34m35s
